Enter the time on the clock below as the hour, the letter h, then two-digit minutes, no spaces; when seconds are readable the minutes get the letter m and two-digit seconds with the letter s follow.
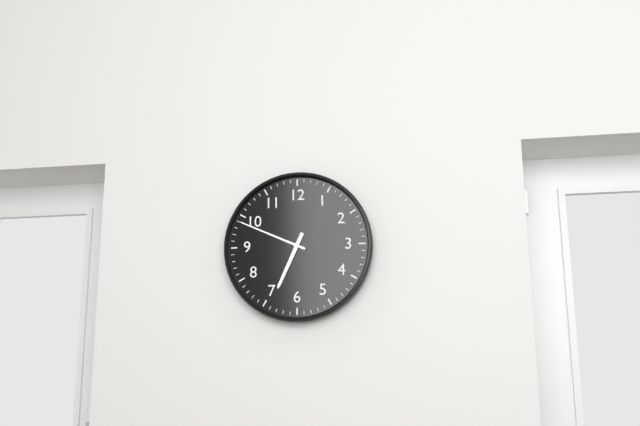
6h49
